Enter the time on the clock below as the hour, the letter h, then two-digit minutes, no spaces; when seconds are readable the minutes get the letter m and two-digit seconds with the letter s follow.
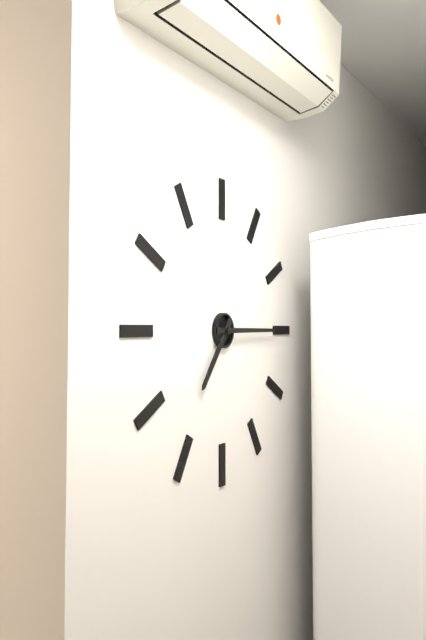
7h15
